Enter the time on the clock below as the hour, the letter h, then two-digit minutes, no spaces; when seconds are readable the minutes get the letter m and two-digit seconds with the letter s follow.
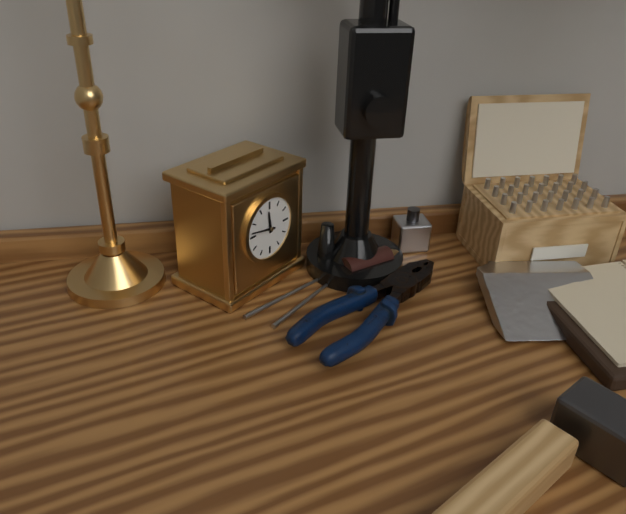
11h47
